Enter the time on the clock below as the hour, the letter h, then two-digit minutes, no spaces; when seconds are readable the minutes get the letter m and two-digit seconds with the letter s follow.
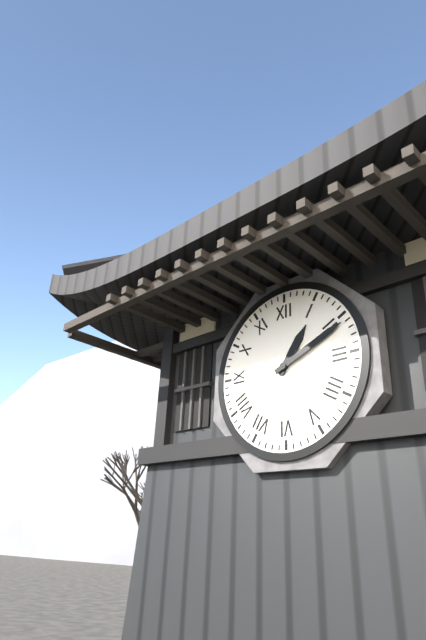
1h11
